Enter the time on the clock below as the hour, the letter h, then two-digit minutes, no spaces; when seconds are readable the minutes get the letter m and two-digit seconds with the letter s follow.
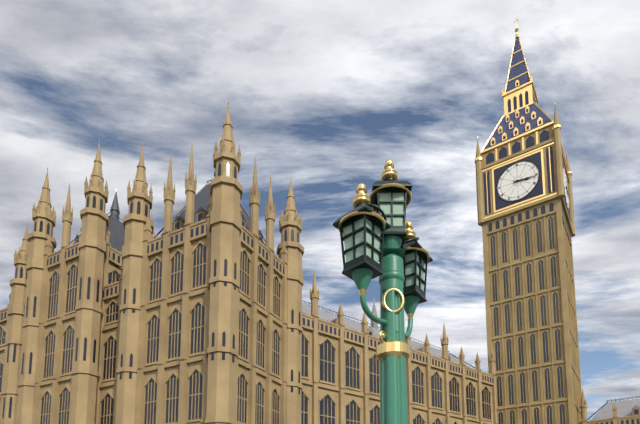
3h16
